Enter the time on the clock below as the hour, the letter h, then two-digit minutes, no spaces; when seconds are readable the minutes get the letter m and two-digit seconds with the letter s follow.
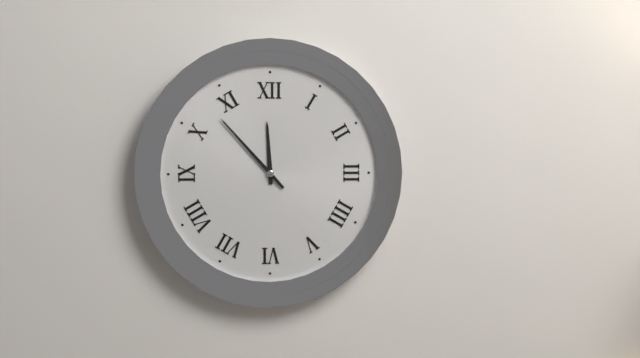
11h53
